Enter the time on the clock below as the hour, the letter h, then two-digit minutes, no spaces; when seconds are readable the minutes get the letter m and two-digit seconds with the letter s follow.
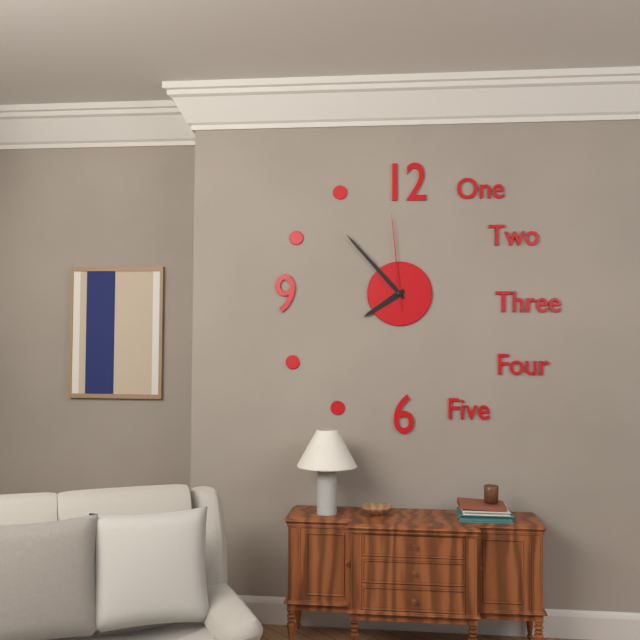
7h53m59s
